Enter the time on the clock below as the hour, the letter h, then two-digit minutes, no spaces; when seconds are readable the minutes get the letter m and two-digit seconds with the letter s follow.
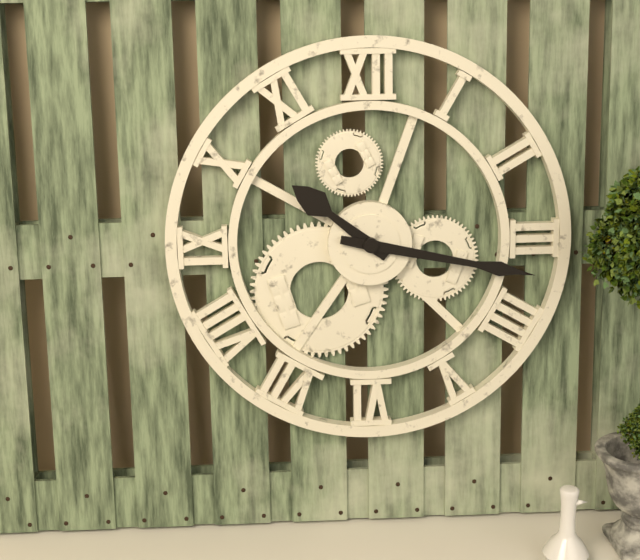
10h17
